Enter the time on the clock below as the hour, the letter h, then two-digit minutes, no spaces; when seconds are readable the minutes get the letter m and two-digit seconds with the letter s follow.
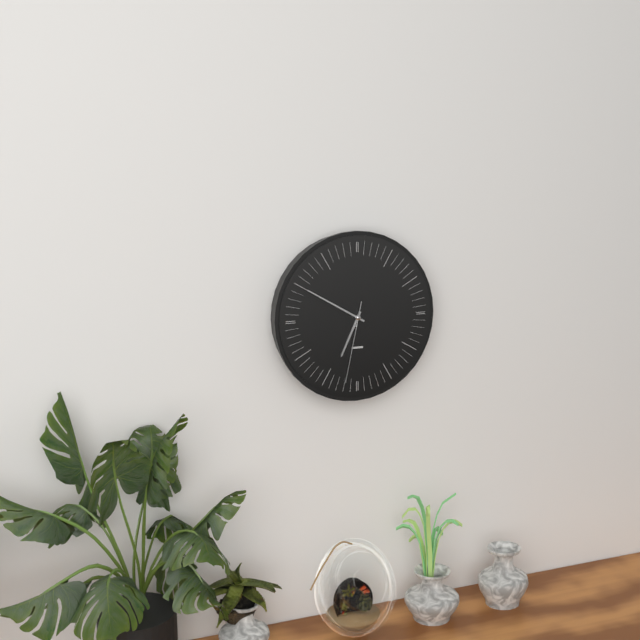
6h50m32s
